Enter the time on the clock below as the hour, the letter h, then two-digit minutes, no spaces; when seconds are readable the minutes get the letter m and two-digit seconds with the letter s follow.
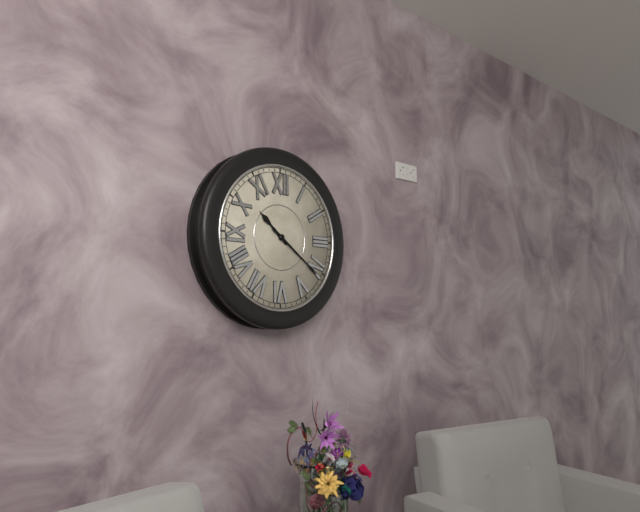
10h21
